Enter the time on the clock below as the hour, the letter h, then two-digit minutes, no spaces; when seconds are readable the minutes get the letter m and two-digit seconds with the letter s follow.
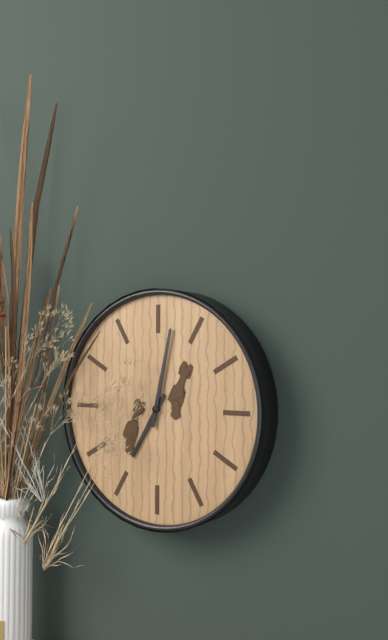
7h02
